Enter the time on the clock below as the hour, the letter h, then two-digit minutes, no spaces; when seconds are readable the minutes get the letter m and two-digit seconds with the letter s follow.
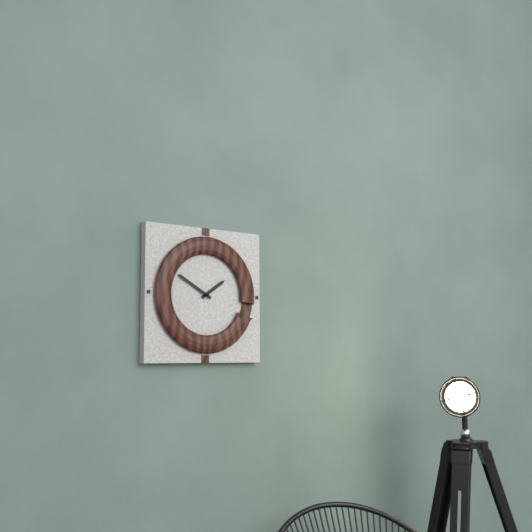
1h50
